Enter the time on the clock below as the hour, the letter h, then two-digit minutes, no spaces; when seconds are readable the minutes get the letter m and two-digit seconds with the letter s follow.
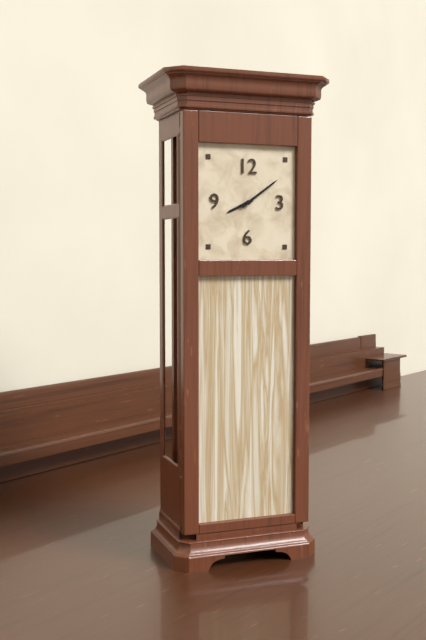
8h09
